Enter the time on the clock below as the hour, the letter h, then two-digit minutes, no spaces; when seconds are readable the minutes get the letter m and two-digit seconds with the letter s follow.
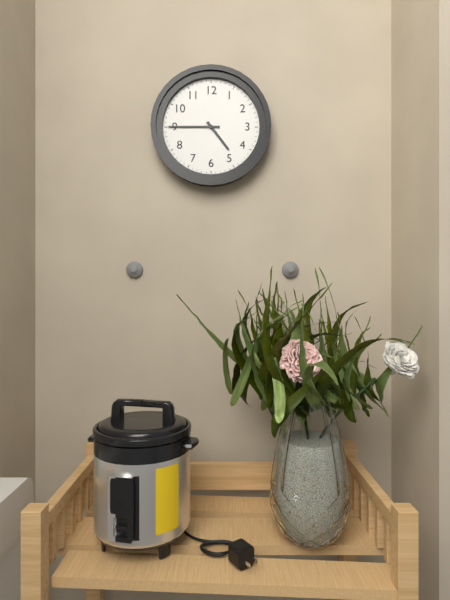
4h45
